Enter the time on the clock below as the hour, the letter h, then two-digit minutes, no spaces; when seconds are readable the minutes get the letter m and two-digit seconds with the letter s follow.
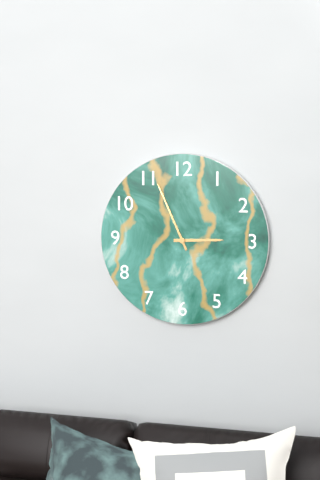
2h56
